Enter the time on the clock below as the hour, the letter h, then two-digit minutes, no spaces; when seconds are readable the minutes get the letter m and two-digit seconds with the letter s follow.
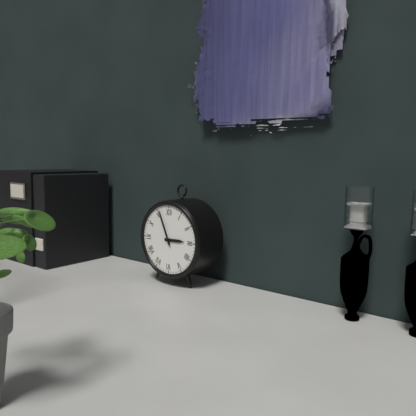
2h56
